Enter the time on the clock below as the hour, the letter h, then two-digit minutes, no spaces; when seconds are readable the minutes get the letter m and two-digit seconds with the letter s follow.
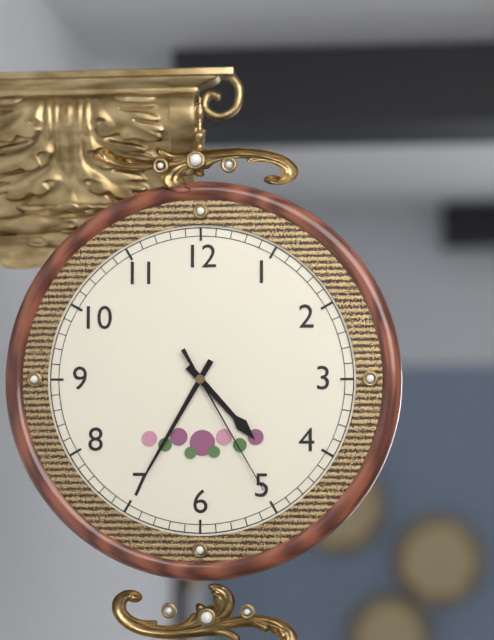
4h35m25s
